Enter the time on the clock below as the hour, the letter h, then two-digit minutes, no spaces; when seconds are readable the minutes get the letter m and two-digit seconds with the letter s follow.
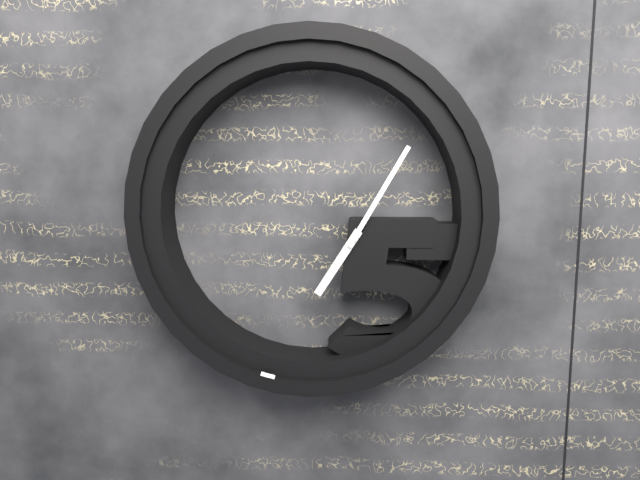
7h05
